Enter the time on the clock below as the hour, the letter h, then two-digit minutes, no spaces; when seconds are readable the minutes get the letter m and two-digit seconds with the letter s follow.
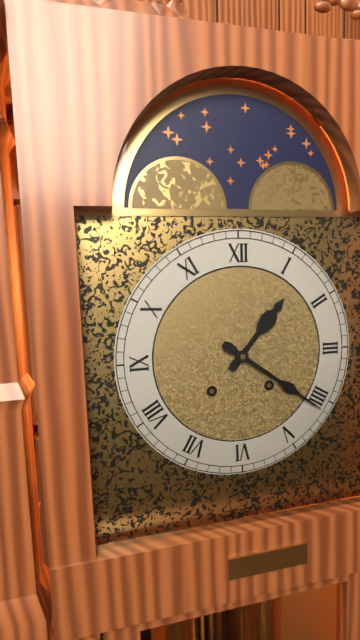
1h21
